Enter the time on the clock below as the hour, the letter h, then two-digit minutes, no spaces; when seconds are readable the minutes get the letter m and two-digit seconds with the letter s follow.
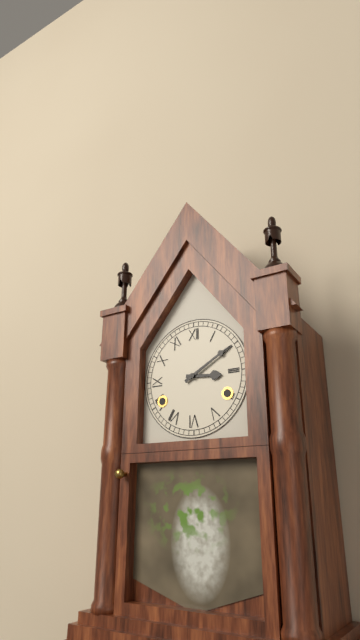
3h10
